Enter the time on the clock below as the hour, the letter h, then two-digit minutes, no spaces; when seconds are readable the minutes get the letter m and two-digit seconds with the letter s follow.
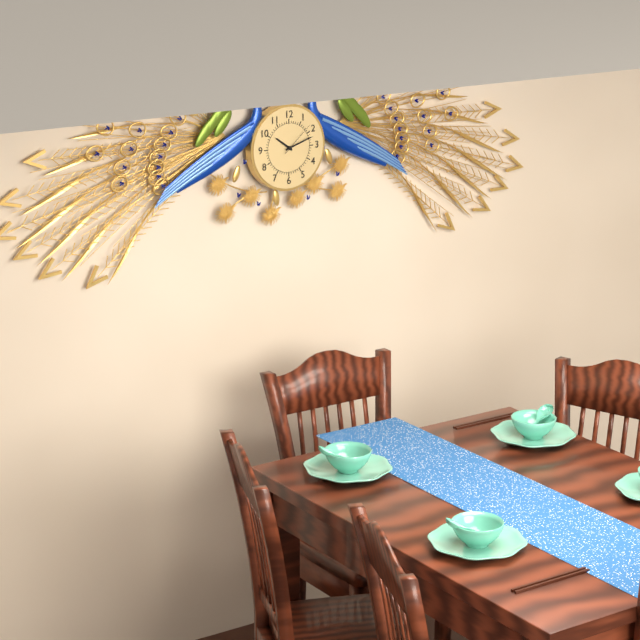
10h12
